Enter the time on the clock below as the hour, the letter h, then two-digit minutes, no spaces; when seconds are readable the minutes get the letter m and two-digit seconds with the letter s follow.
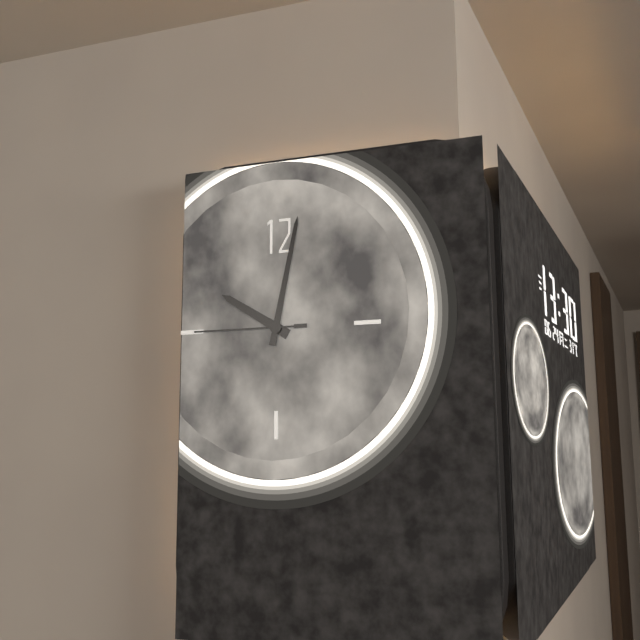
10h02m45s
